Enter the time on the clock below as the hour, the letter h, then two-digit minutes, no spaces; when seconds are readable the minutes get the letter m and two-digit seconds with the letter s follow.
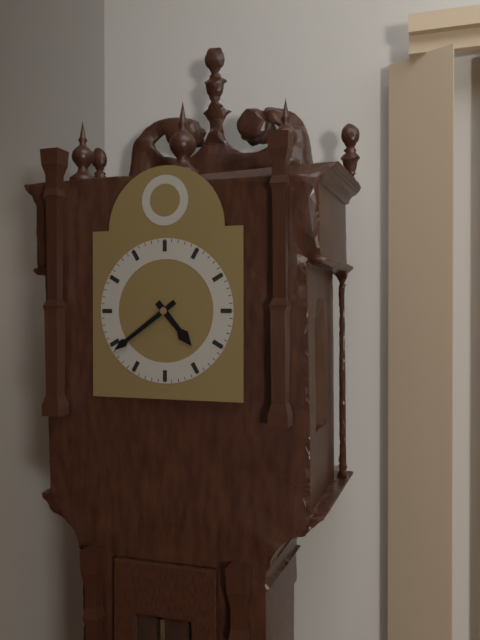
4h39
